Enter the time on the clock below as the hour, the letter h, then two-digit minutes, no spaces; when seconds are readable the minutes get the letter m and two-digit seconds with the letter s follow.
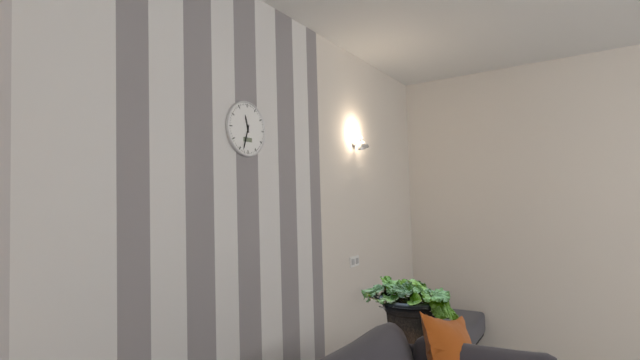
11h33
